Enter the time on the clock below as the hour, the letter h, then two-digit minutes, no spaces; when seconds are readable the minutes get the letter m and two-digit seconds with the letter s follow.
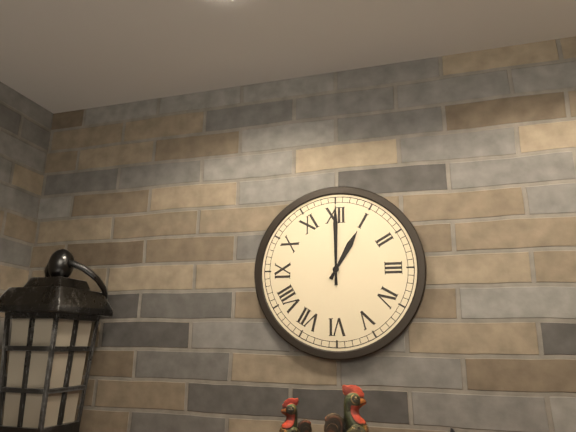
1h00
